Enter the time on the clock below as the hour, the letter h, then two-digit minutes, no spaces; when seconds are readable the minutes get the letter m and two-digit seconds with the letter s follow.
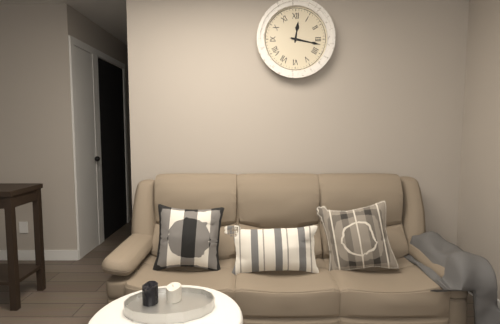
12h17
